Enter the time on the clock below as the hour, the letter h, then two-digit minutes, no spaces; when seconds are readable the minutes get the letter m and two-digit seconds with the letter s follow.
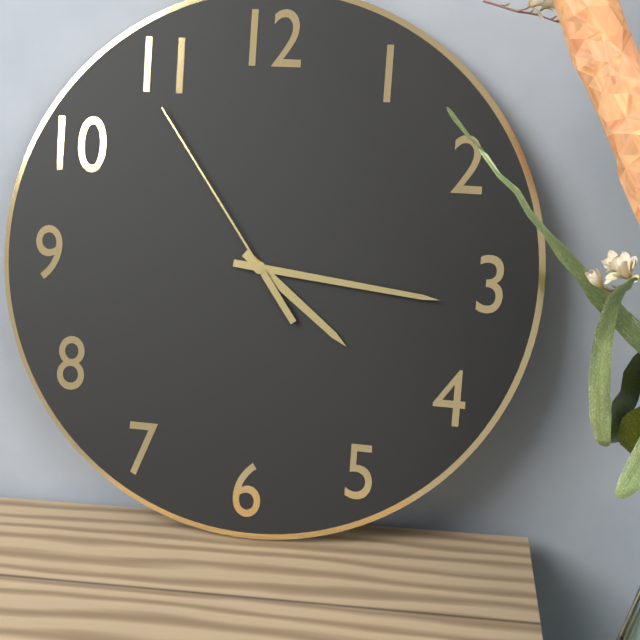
4h16m54s
